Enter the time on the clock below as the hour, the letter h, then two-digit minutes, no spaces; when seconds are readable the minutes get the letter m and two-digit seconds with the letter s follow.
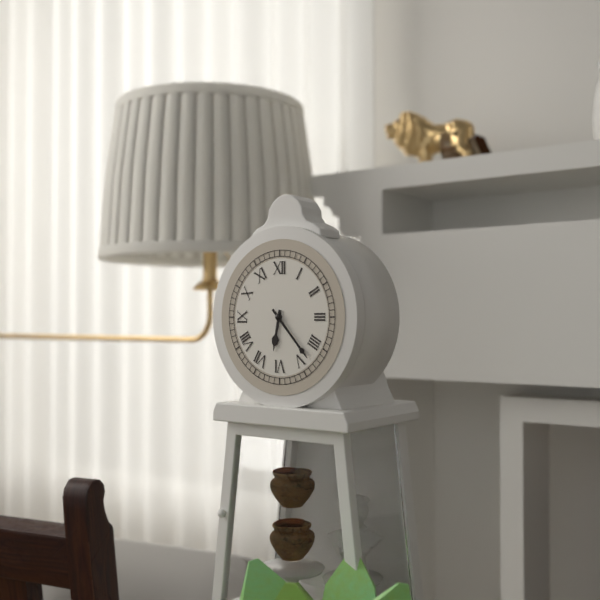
6h23
